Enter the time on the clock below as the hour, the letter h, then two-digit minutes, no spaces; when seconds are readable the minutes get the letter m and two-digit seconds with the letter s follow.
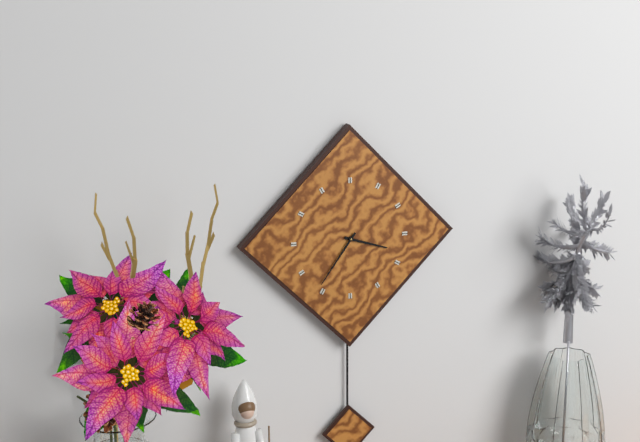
3h36
